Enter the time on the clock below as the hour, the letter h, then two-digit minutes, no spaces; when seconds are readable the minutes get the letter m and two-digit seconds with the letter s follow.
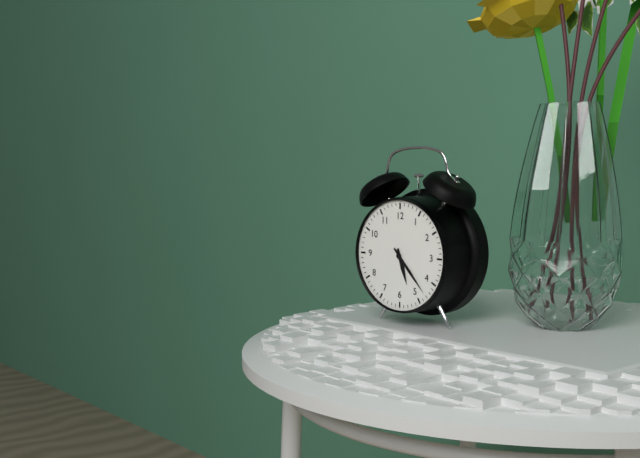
5h23
